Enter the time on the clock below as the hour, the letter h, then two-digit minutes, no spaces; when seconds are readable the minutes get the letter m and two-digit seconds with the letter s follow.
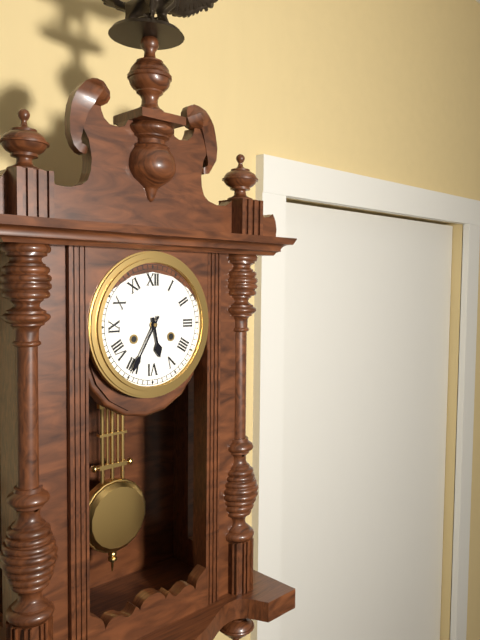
5h35
